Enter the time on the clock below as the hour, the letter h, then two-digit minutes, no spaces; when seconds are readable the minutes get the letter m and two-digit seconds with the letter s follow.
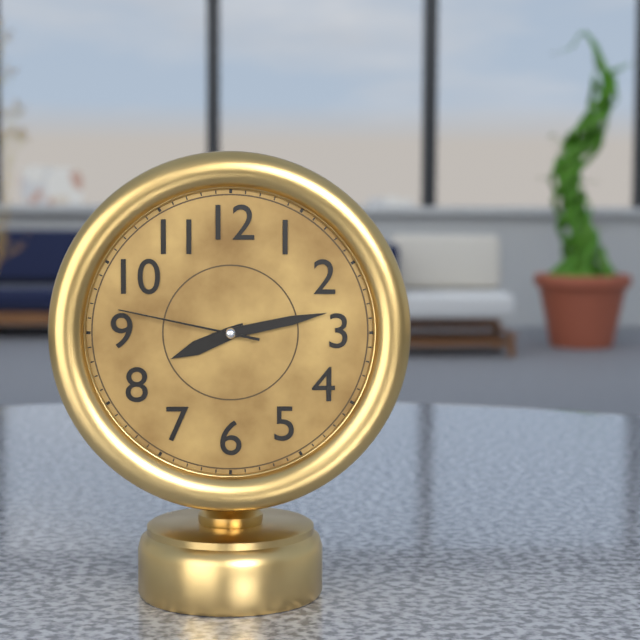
8h13m47s
